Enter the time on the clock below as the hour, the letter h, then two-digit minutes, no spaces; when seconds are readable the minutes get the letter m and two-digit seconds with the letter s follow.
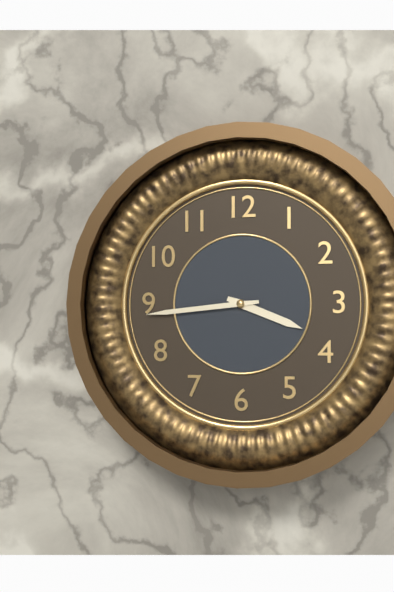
3h44
